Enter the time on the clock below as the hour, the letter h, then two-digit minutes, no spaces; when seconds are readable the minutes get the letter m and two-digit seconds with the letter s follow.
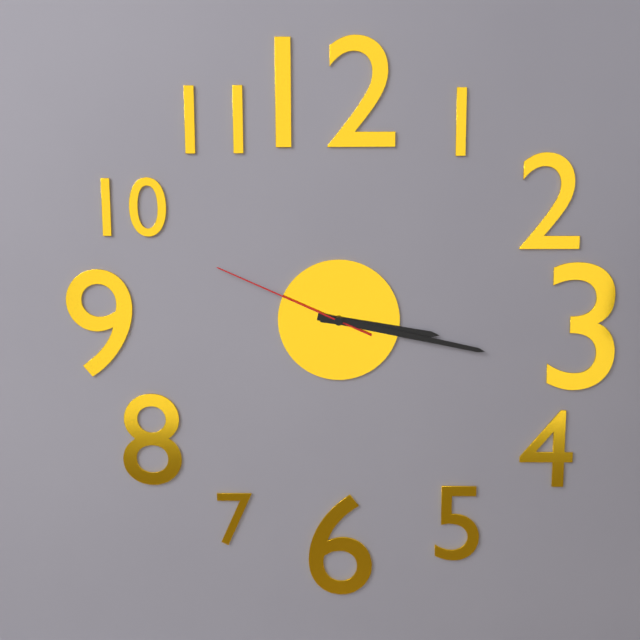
3h17m49s
